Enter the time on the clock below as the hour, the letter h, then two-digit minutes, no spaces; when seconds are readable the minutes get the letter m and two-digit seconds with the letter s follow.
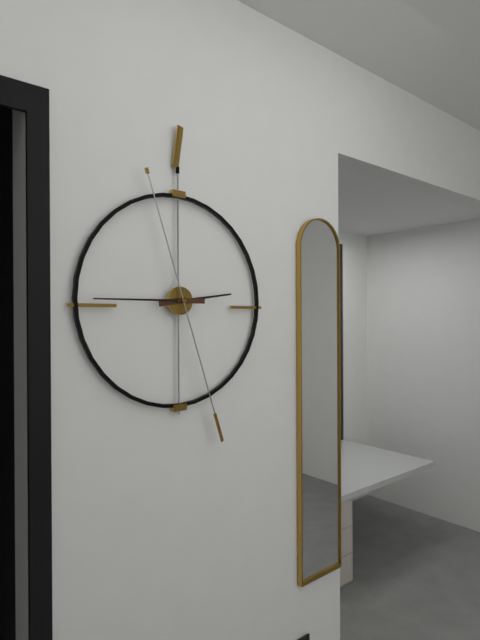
2h45m27s
